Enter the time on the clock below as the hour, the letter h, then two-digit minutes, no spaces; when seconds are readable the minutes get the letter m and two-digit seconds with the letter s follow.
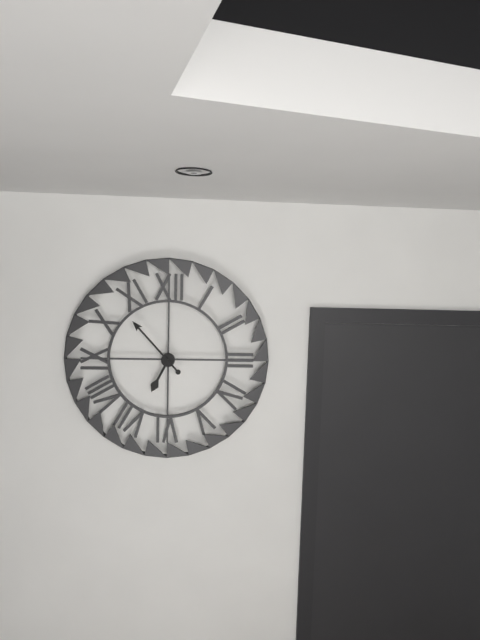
6h53
